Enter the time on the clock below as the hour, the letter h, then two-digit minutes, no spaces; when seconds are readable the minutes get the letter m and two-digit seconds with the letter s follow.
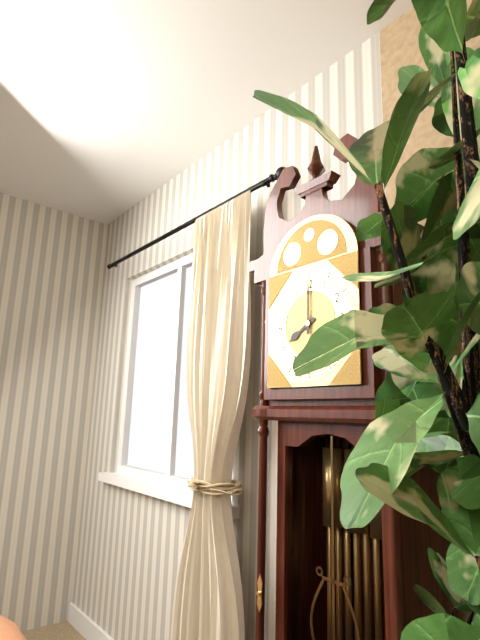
8h00
